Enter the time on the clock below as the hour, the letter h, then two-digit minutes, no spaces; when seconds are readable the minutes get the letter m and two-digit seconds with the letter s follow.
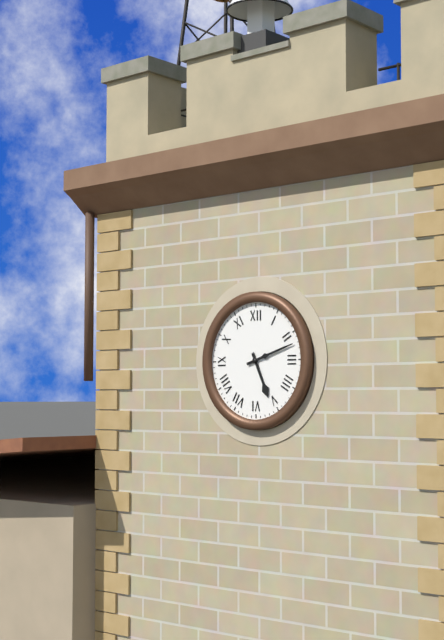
5h12
